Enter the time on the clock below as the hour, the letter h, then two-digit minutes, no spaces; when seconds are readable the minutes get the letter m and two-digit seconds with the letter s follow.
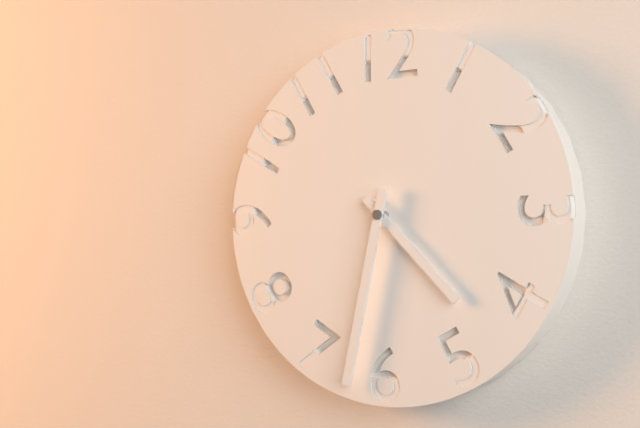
4h32
